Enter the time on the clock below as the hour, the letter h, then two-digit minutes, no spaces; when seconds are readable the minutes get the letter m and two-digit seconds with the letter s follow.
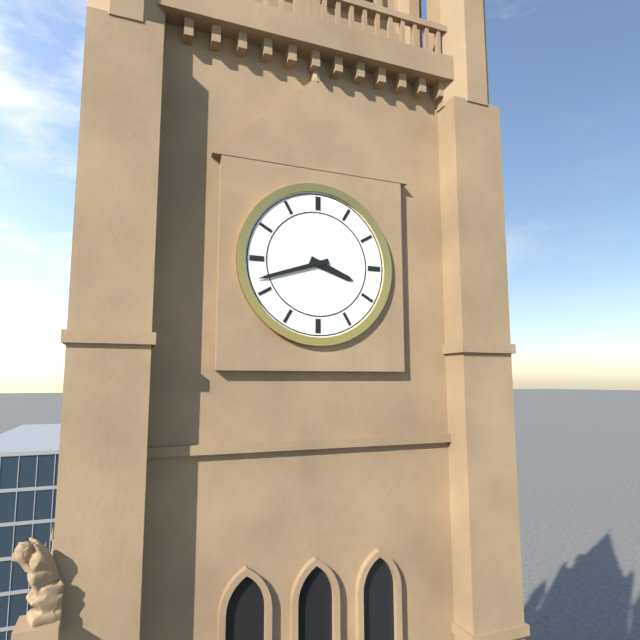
3h42
